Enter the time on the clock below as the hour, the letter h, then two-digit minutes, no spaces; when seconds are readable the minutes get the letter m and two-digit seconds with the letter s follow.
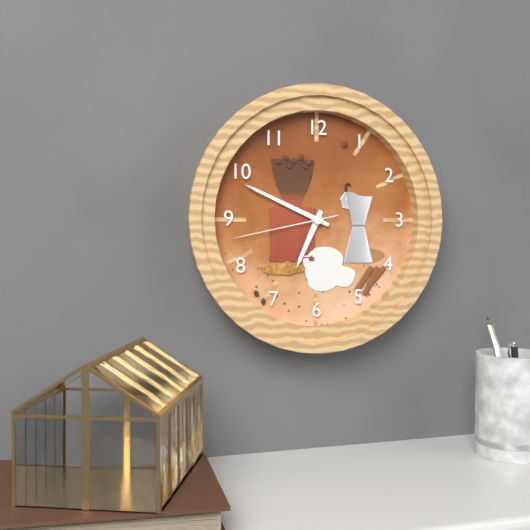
6h49m43s
